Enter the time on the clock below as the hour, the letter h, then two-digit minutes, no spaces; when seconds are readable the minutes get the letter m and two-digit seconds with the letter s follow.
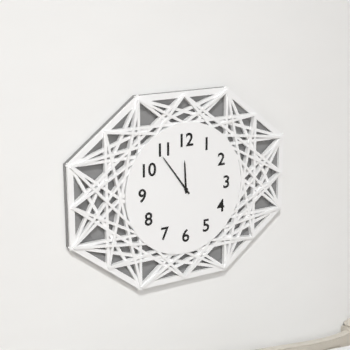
11h54
